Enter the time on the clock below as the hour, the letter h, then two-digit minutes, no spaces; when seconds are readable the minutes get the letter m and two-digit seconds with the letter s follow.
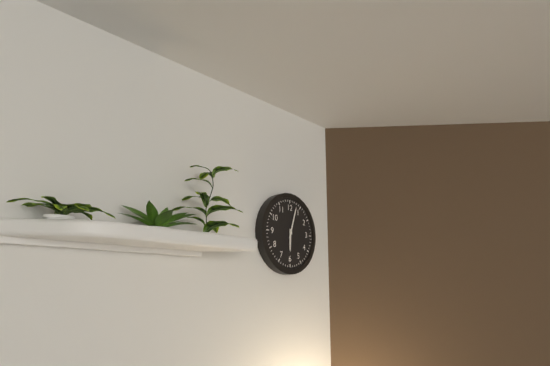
6h03
